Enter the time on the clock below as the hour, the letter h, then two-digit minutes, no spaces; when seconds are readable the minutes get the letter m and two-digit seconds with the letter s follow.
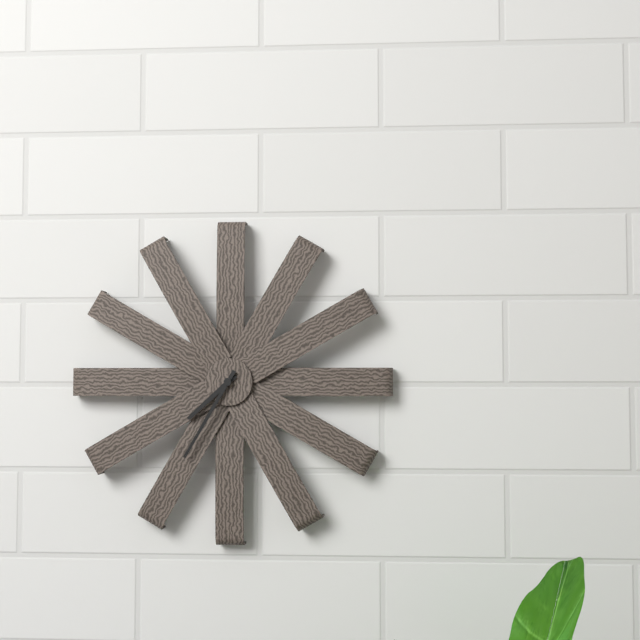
7h35
